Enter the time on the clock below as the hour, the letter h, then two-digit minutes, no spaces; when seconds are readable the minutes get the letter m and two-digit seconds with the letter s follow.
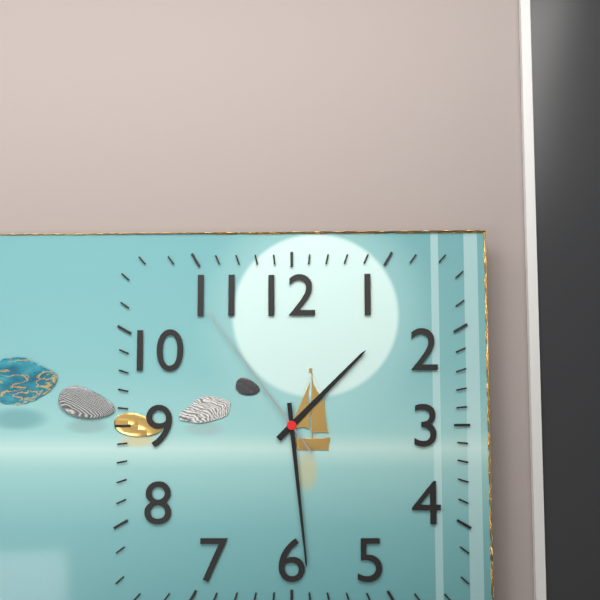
1h29m54s
